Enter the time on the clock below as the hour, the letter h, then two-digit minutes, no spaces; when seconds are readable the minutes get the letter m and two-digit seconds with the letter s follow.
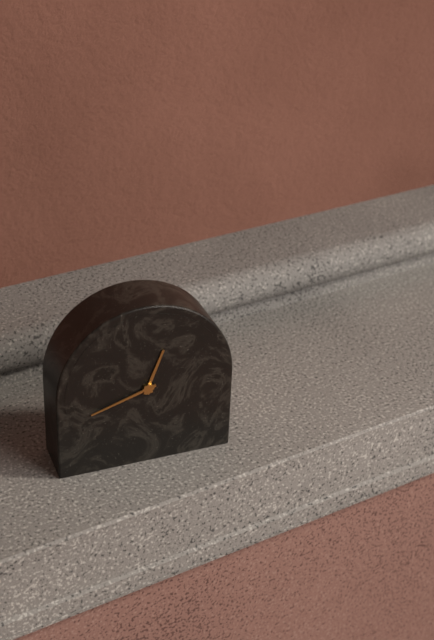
12h42
